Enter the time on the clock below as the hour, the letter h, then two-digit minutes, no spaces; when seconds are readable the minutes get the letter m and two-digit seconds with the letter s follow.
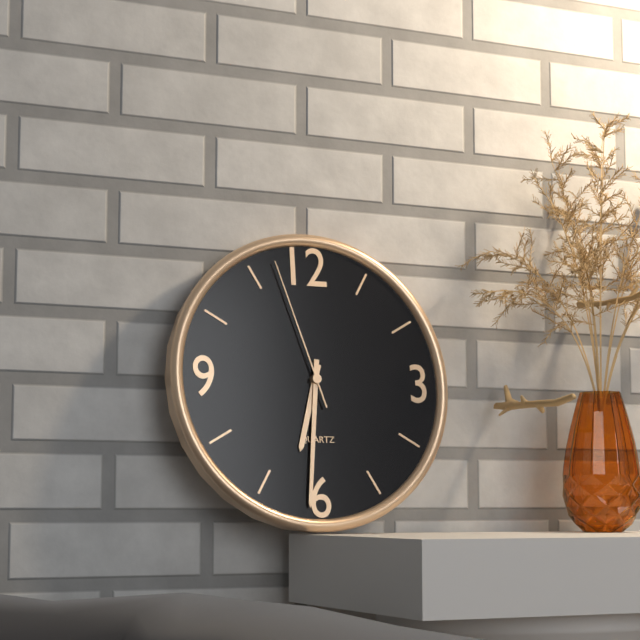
6h31m57s
